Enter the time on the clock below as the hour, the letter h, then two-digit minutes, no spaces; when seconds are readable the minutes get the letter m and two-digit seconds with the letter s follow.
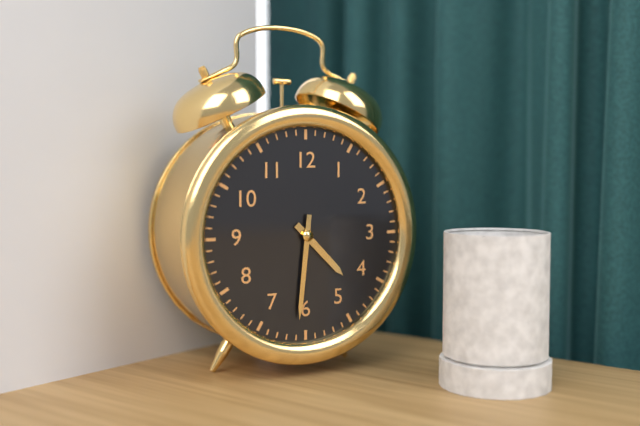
4h31
